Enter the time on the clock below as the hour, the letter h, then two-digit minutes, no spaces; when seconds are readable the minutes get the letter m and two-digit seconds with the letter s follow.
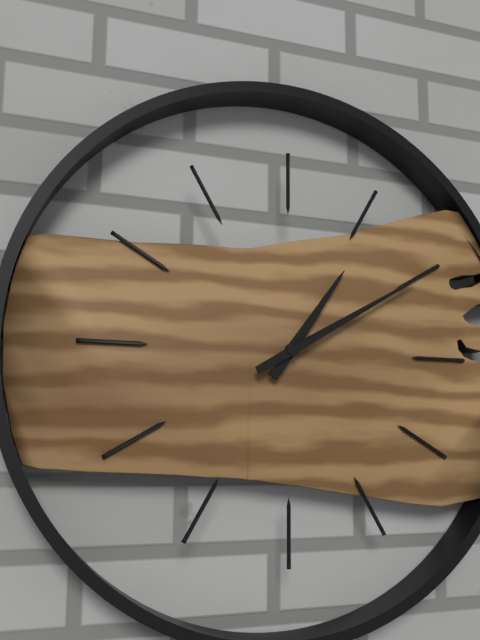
1h10
